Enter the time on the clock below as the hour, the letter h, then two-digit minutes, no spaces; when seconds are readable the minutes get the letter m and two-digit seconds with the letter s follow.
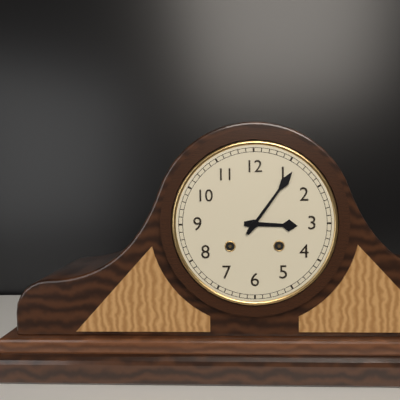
3h06
